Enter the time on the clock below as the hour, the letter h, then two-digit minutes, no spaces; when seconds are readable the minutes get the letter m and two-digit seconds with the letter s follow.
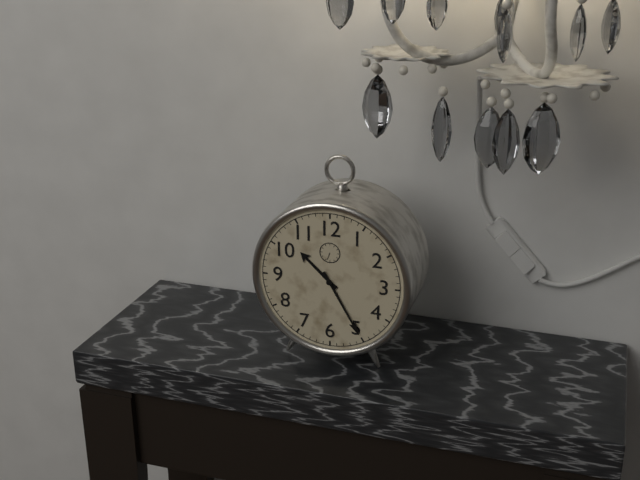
10h25
